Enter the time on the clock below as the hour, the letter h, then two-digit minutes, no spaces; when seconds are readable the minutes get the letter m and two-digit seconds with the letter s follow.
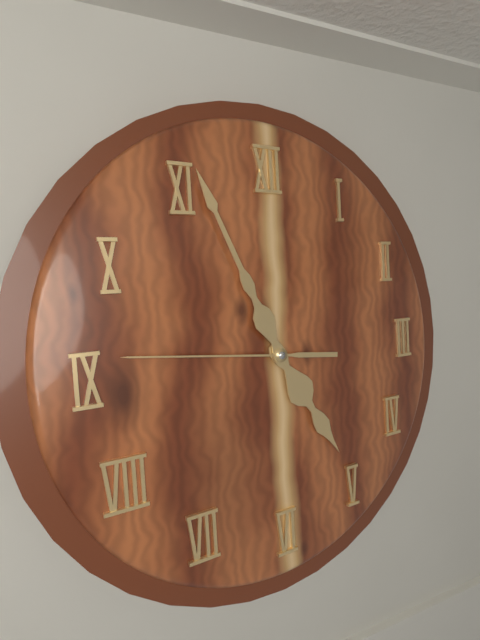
4h56m46s
